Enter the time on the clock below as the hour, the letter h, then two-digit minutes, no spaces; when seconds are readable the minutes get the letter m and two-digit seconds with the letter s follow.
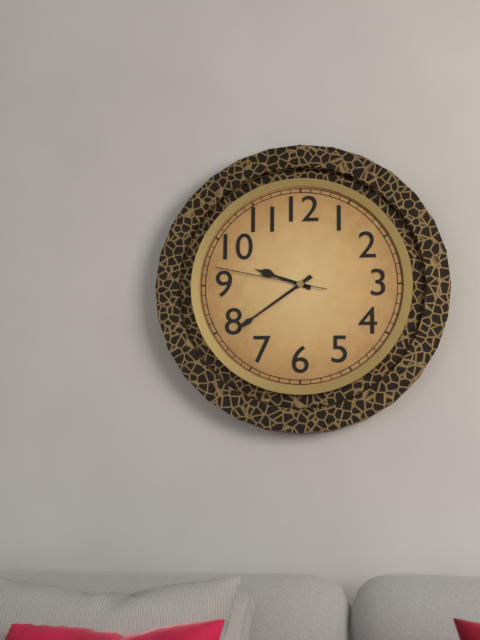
9h39m47s
